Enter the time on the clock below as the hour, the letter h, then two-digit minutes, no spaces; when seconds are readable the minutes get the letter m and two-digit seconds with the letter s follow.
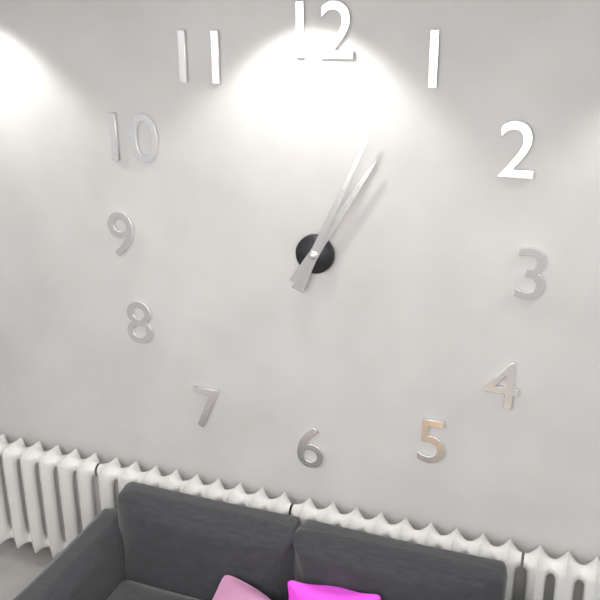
1h04
